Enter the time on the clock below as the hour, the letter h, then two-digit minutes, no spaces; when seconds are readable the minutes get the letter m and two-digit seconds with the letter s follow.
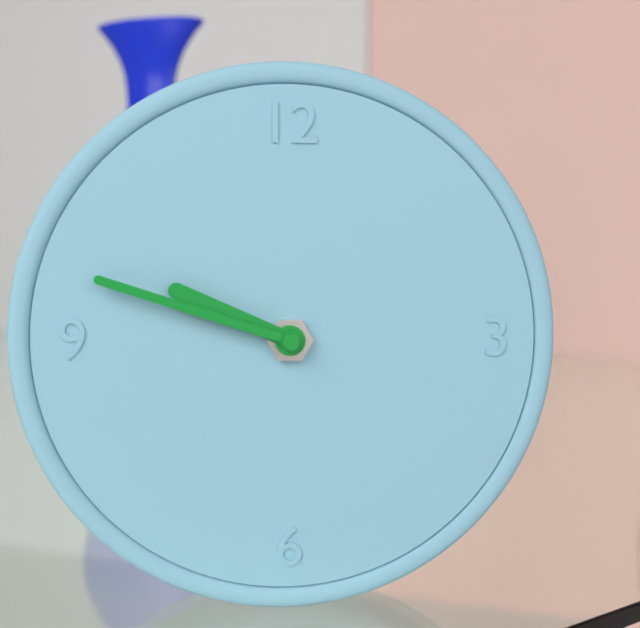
9h48
